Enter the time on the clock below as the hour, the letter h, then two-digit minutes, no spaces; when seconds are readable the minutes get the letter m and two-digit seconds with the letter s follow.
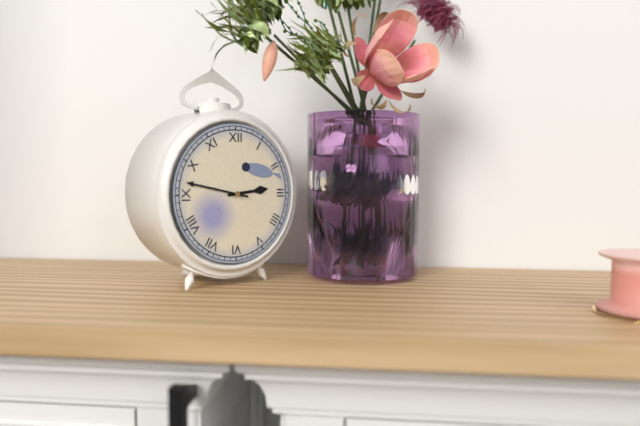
2h47
